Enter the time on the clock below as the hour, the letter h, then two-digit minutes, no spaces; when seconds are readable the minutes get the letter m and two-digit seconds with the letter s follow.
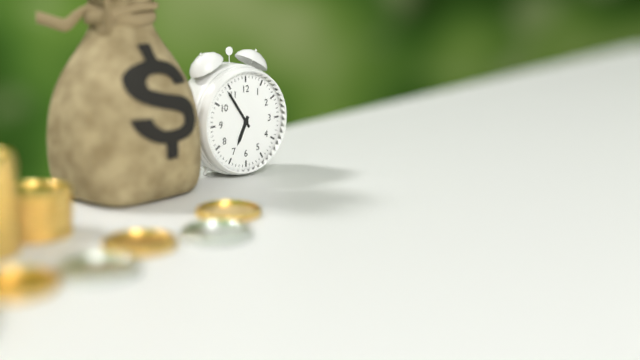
6h54
